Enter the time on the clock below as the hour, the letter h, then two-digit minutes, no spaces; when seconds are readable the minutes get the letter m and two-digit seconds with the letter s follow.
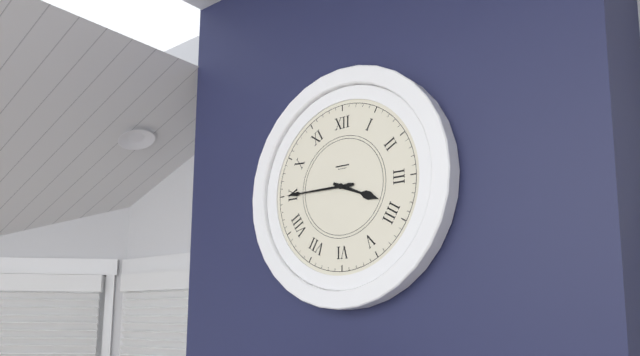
3h45
